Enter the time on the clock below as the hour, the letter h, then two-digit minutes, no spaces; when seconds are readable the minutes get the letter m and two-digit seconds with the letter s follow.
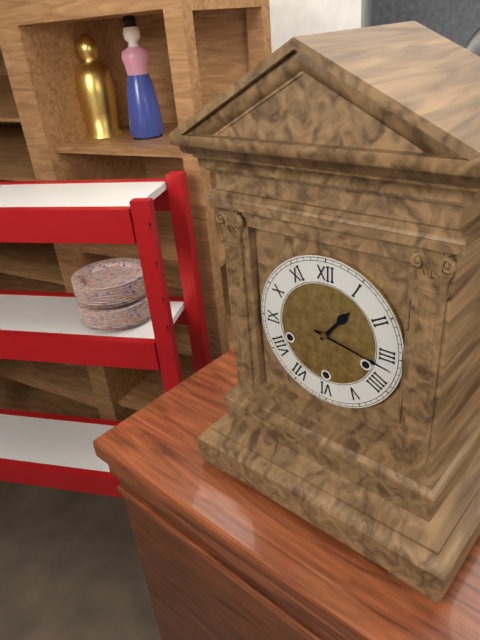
1h17
